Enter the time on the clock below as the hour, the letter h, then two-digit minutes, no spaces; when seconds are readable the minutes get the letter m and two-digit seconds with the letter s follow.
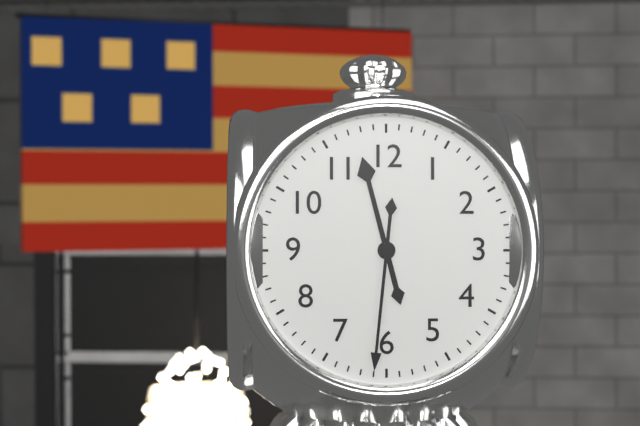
11h31
